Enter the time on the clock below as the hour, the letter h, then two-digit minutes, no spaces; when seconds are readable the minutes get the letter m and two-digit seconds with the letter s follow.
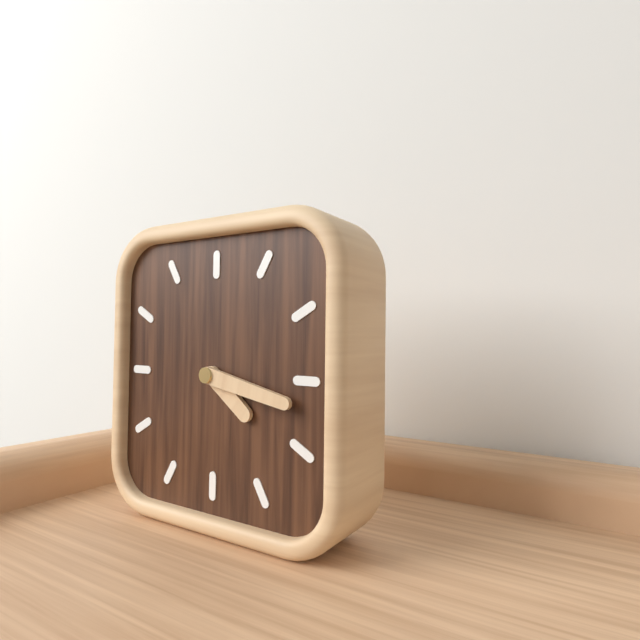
4h17
